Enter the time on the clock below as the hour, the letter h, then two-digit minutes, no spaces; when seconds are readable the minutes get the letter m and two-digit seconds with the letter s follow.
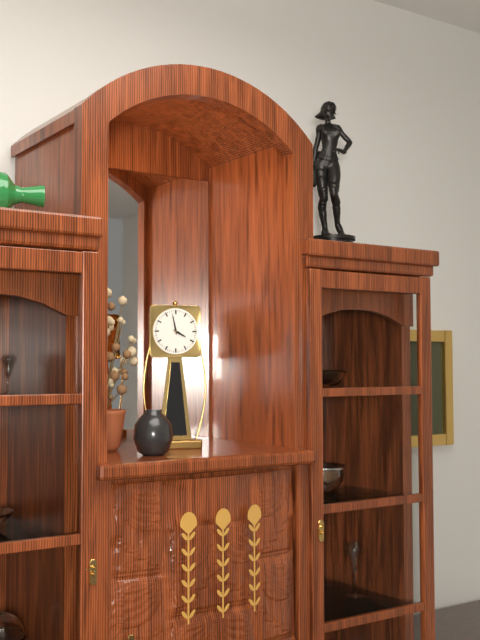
3h58
